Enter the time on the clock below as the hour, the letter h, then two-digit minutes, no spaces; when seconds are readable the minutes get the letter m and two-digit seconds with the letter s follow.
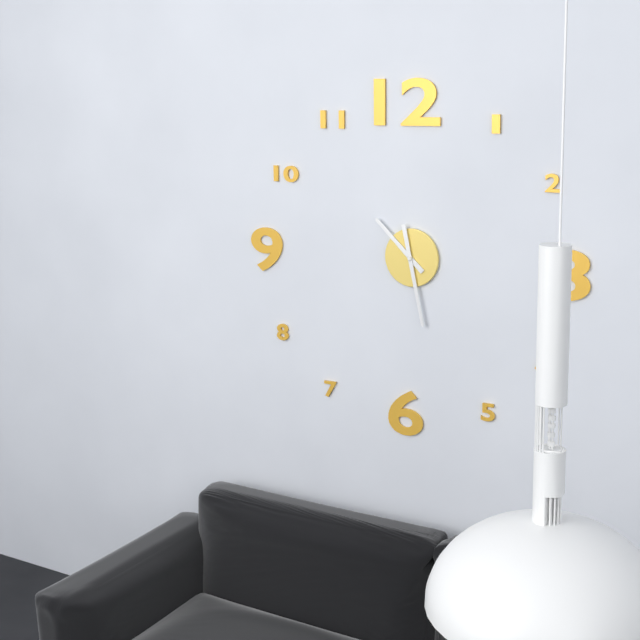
10h28
